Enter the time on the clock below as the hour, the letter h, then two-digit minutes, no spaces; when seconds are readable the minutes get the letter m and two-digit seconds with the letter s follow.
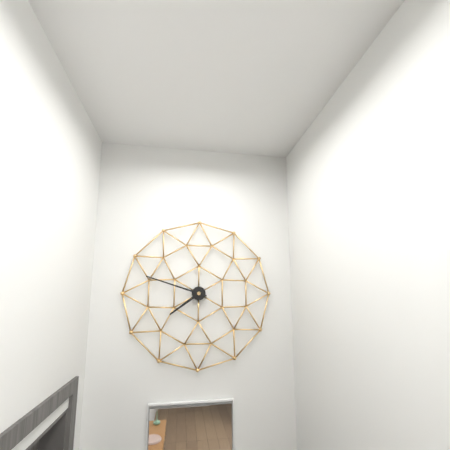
7h48
